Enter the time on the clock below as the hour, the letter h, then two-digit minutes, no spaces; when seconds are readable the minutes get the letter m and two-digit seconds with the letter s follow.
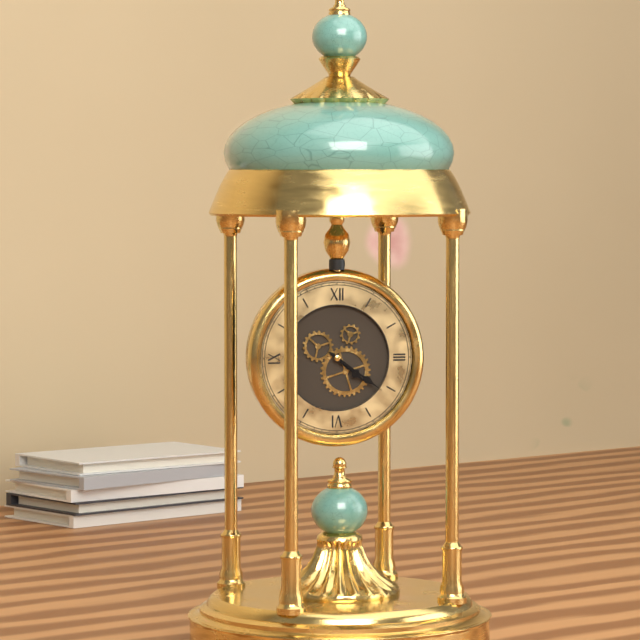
4h21
